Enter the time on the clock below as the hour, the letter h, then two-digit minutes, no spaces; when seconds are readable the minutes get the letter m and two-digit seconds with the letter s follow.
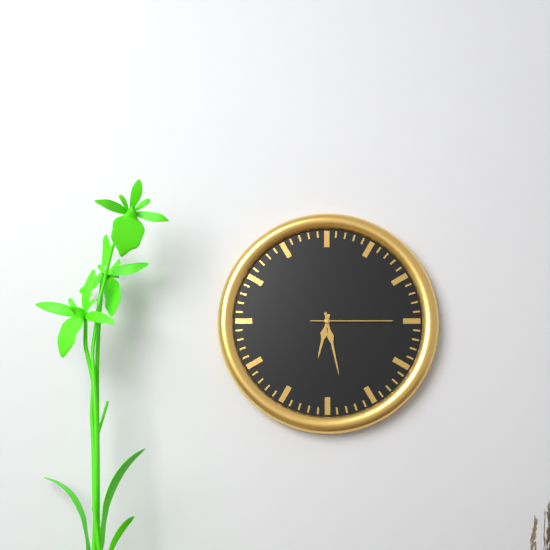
6h28m15s
